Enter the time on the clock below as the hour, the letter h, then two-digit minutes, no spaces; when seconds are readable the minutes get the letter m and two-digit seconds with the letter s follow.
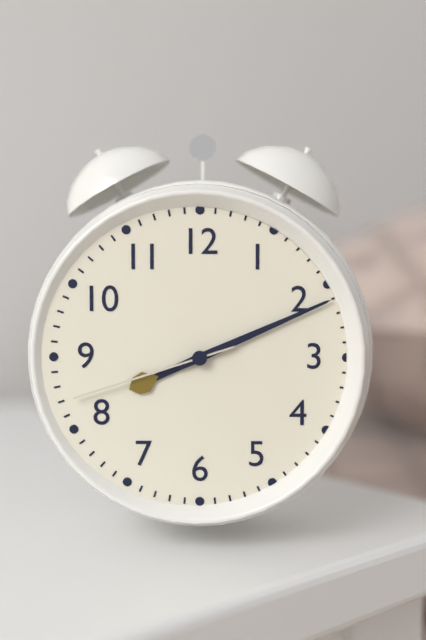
8h11m42s
